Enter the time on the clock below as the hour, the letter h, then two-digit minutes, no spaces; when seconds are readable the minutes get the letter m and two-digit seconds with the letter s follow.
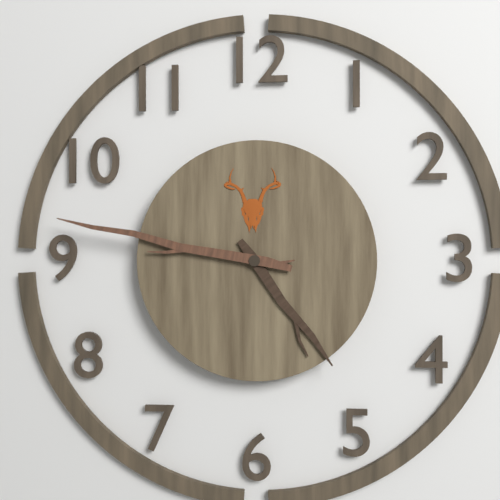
4h47
